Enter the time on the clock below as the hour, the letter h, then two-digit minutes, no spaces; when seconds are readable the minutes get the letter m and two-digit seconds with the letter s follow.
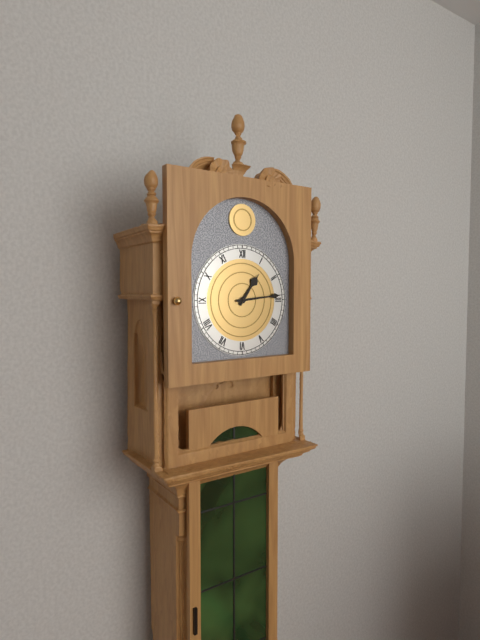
1h14
